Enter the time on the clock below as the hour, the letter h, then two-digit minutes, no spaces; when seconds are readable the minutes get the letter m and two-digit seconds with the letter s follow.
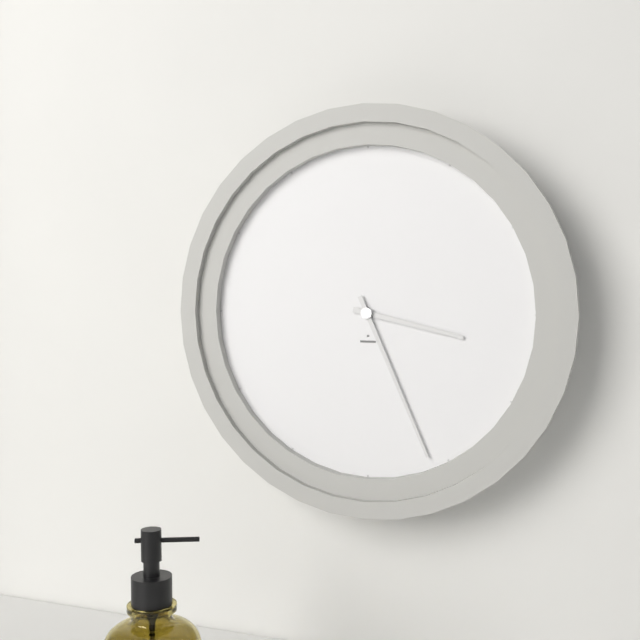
3h26
